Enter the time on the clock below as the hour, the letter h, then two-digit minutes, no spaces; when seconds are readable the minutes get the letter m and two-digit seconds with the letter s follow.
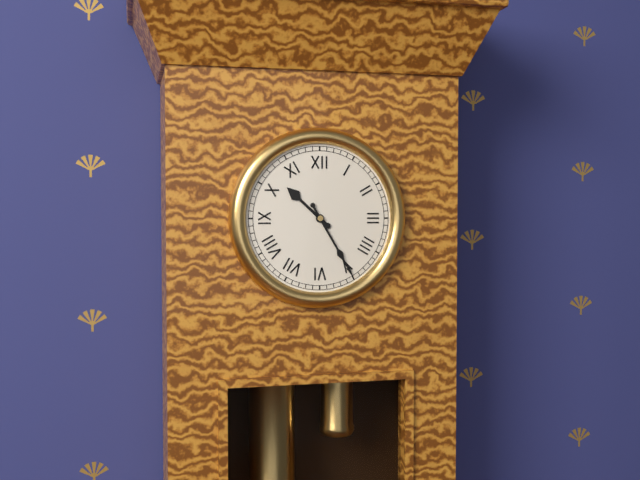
10h25
